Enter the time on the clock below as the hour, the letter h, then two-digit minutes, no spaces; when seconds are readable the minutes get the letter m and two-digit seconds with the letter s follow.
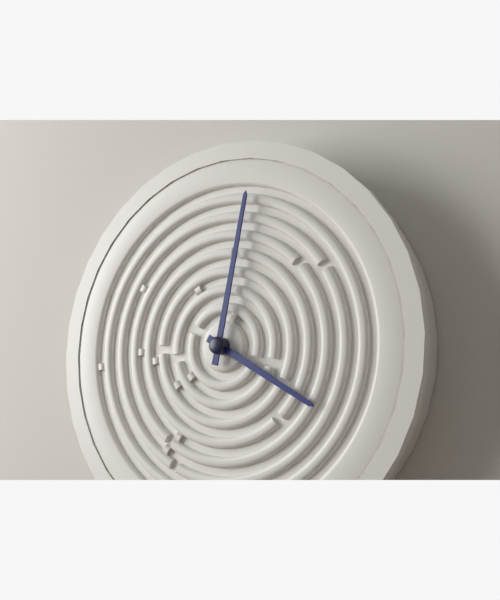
4h02
